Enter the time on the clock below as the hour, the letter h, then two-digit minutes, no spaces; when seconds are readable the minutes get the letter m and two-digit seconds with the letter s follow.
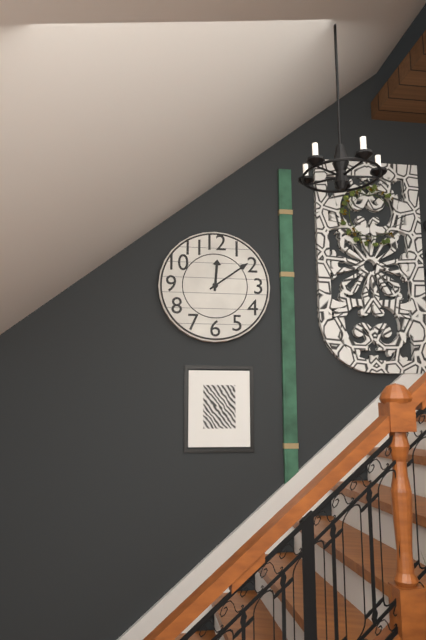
12h09
